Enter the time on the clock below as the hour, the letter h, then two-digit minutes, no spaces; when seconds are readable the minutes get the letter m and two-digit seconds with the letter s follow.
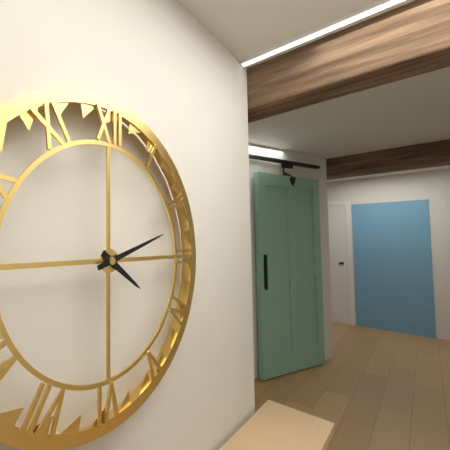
4h12
